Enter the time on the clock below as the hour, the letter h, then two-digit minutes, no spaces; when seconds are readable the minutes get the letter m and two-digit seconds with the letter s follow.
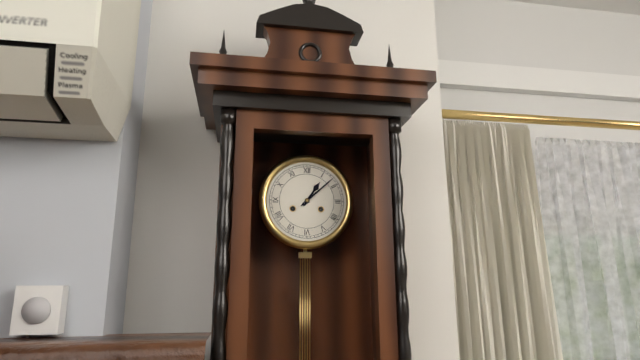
1h08
